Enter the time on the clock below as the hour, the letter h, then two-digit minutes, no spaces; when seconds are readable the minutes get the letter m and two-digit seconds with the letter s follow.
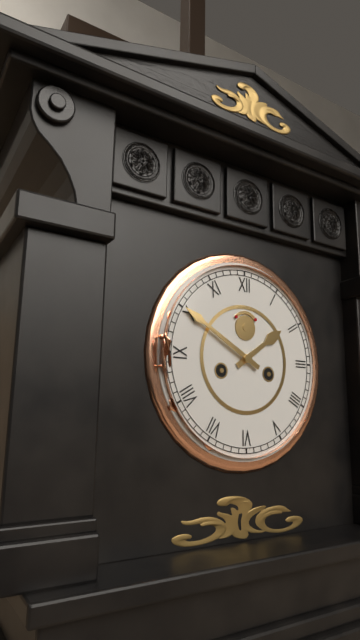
1h50
